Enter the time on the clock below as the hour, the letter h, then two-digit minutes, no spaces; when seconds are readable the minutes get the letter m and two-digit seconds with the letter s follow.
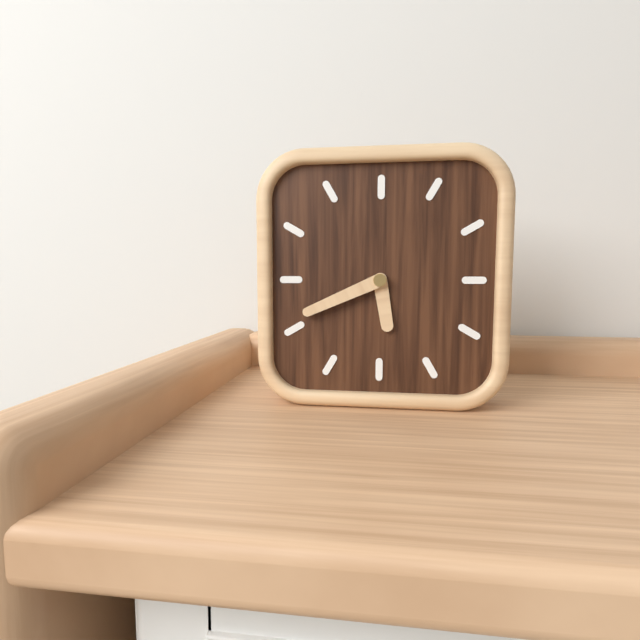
5h41
